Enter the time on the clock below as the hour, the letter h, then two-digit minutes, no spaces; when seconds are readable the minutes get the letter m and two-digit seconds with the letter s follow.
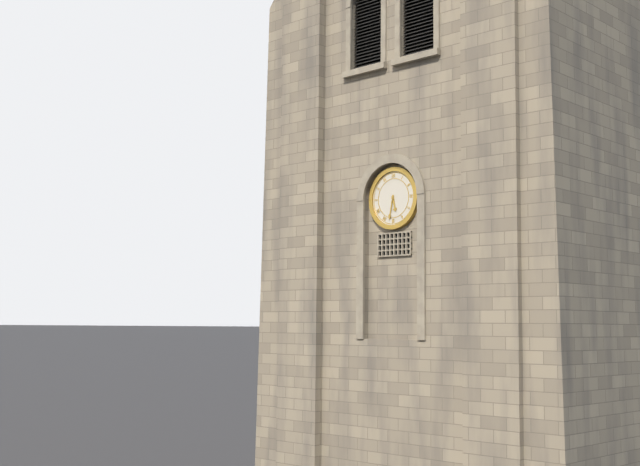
5h32
